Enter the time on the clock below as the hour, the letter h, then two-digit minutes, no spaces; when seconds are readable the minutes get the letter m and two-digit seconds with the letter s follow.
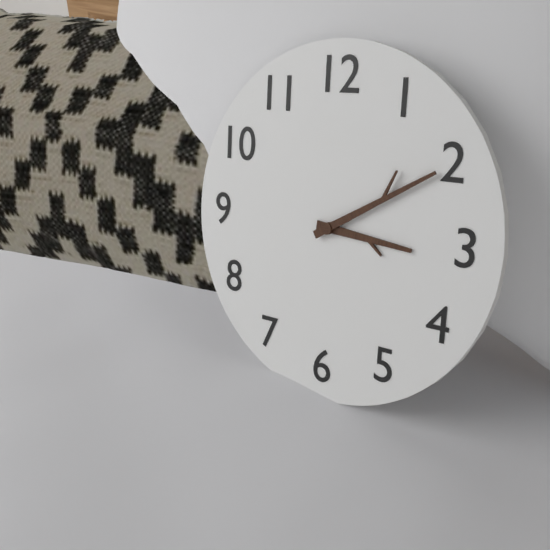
3h10
